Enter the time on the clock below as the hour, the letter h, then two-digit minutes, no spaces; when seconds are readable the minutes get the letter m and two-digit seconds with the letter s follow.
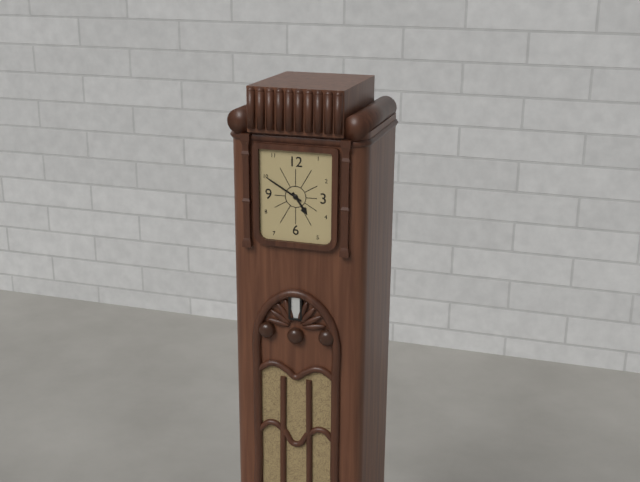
4h50
